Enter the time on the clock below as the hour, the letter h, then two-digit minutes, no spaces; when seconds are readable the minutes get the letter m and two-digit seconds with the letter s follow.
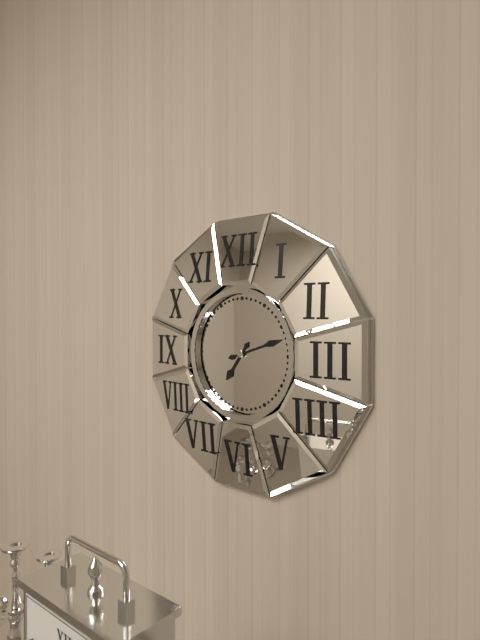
7h12
